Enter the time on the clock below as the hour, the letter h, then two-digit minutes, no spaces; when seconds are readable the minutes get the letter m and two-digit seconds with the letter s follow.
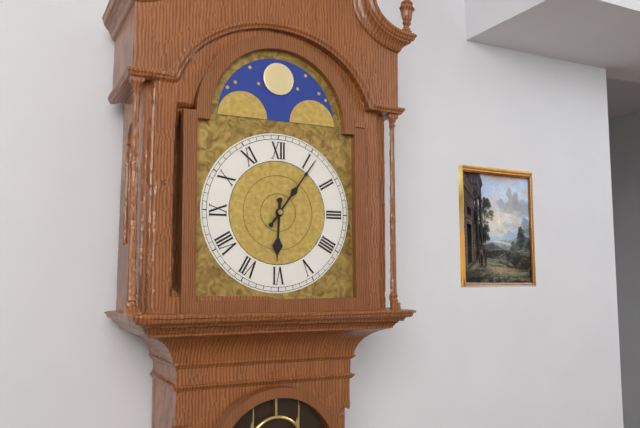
6h06
